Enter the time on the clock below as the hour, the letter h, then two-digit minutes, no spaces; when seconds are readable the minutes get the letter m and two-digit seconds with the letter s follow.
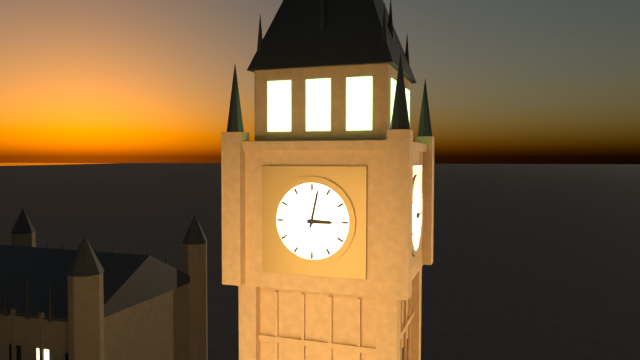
3h02
